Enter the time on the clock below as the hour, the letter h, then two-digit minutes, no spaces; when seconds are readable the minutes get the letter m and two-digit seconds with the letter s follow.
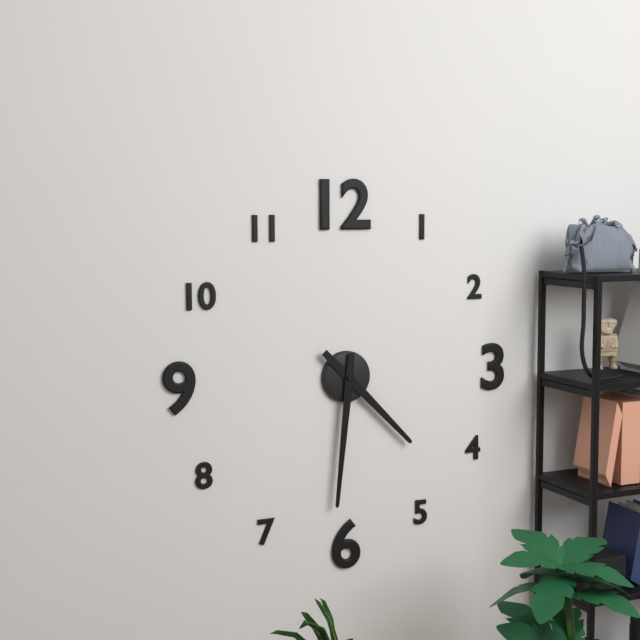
4h31
